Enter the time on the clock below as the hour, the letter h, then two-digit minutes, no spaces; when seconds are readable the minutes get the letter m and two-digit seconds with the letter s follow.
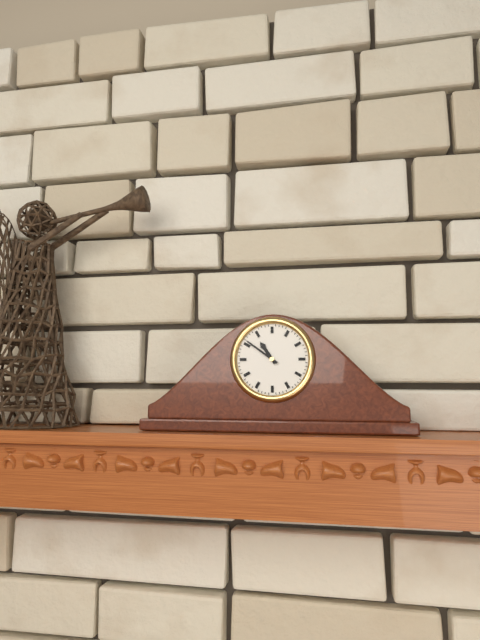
10h51
